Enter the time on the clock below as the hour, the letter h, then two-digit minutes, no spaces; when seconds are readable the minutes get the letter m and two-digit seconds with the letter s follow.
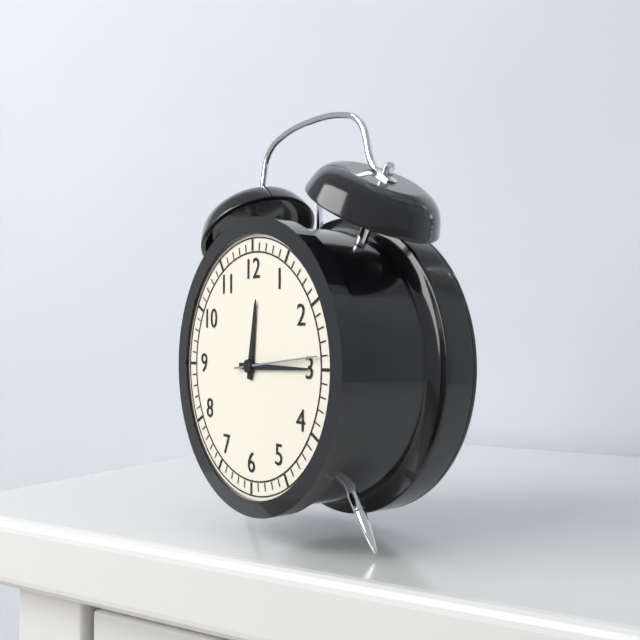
12h15m14s
